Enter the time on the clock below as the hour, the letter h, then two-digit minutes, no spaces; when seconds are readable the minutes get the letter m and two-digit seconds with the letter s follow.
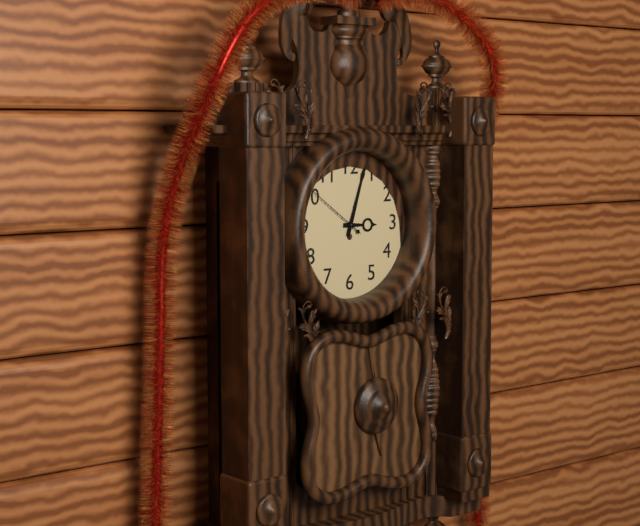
3h03m51s
